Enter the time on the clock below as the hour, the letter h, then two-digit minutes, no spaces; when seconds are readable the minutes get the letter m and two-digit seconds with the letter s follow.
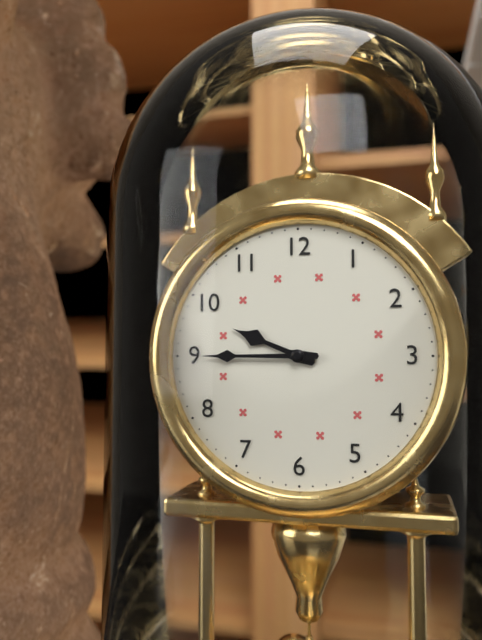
9h45
